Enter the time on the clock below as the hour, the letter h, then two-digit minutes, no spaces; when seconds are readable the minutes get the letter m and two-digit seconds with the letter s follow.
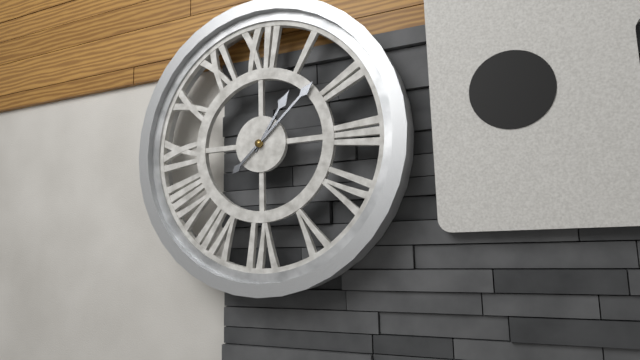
1h08
